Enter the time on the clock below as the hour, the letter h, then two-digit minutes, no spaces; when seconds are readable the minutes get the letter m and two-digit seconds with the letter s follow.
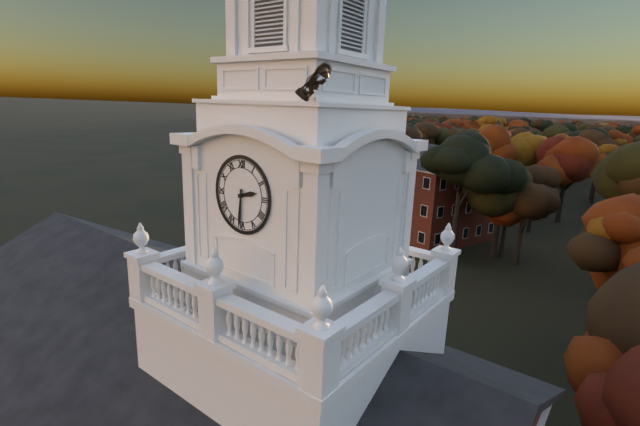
2h31
